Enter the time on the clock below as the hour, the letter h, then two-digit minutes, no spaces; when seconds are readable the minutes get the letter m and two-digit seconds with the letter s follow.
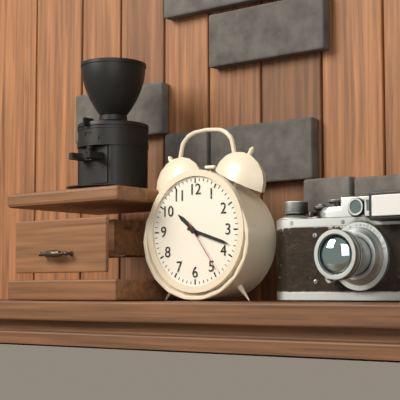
10h18m24s
